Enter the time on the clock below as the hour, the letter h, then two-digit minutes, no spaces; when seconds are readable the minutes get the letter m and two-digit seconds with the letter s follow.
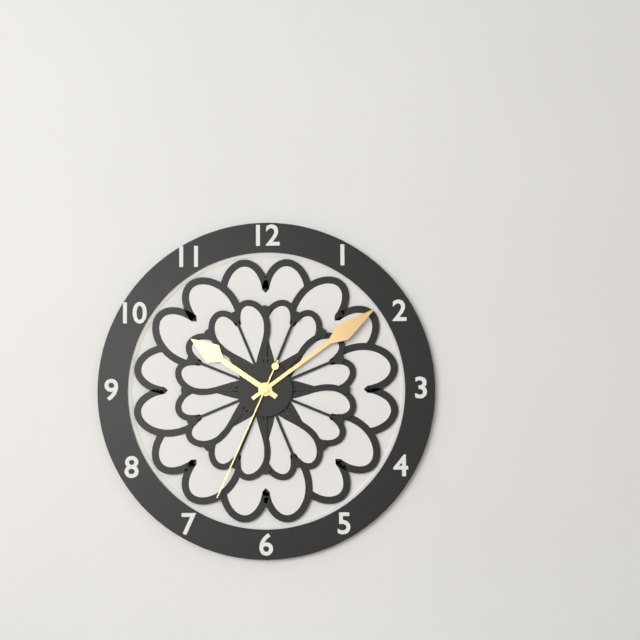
10h09m34s
